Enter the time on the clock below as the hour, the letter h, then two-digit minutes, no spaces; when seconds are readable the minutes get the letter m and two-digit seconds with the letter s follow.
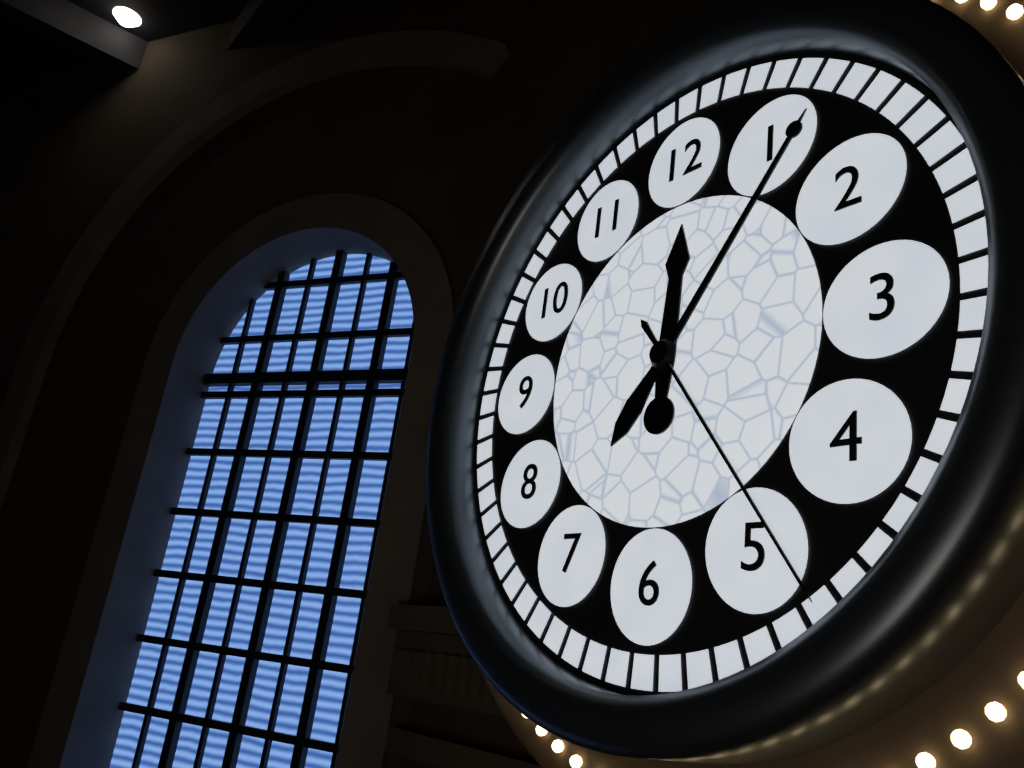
12h06m24s
